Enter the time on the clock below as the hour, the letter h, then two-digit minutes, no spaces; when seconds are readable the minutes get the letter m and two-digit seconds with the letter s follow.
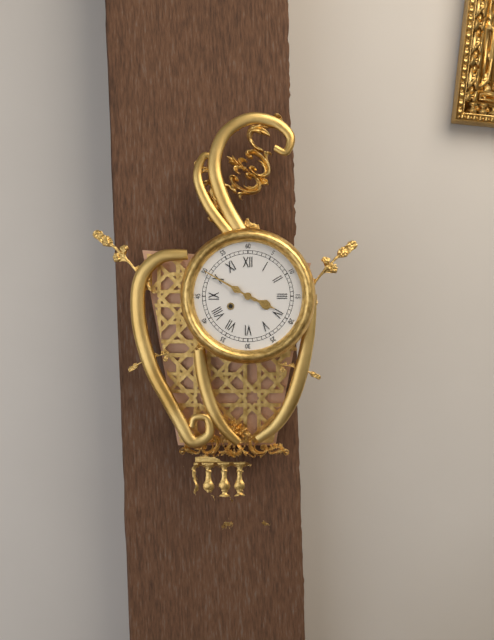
3h50
